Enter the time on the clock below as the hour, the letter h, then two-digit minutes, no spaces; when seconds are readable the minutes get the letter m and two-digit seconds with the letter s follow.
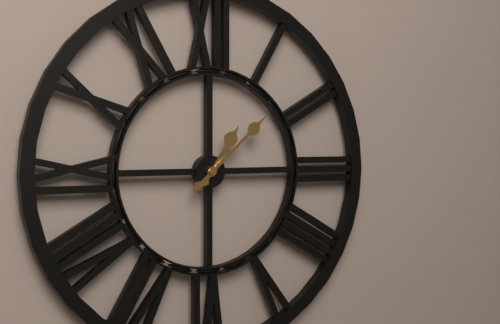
1h08
